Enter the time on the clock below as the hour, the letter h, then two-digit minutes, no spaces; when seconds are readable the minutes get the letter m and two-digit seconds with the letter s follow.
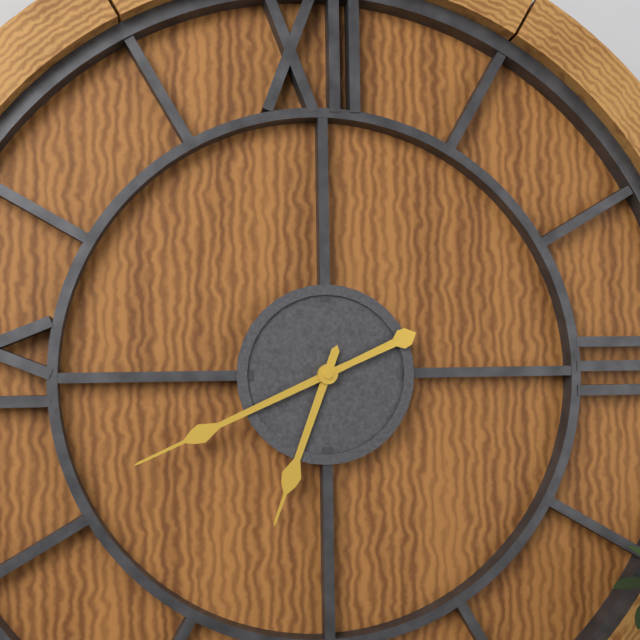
6h41
